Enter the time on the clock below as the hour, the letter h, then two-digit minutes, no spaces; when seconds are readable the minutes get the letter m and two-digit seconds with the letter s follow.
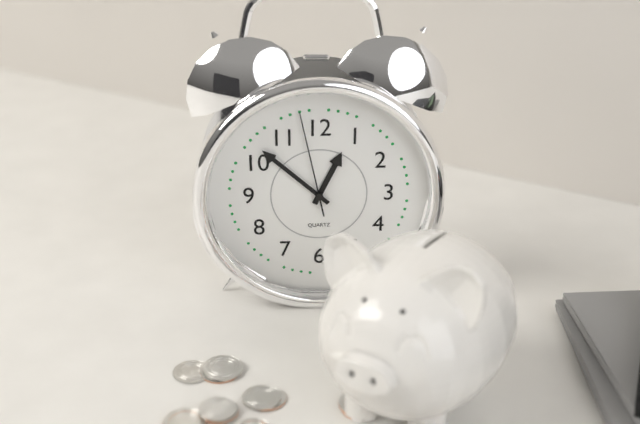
12h52m58s
